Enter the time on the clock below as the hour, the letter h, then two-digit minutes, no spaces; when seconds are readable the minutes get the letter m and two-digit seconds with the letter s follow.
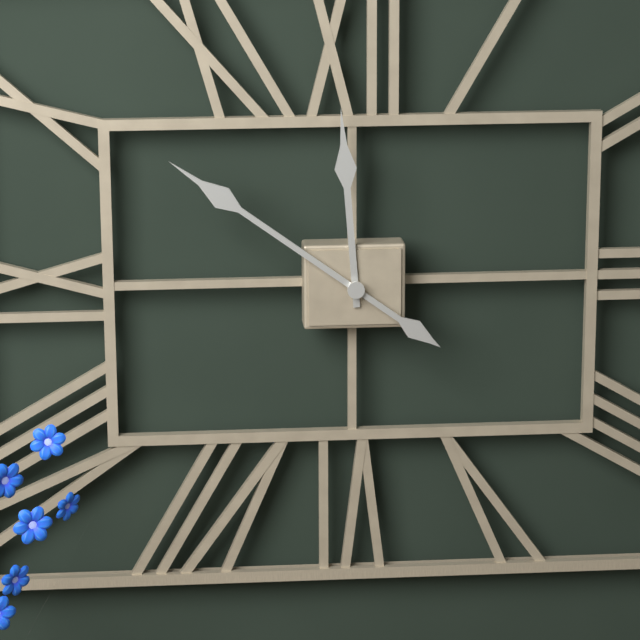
11h51
